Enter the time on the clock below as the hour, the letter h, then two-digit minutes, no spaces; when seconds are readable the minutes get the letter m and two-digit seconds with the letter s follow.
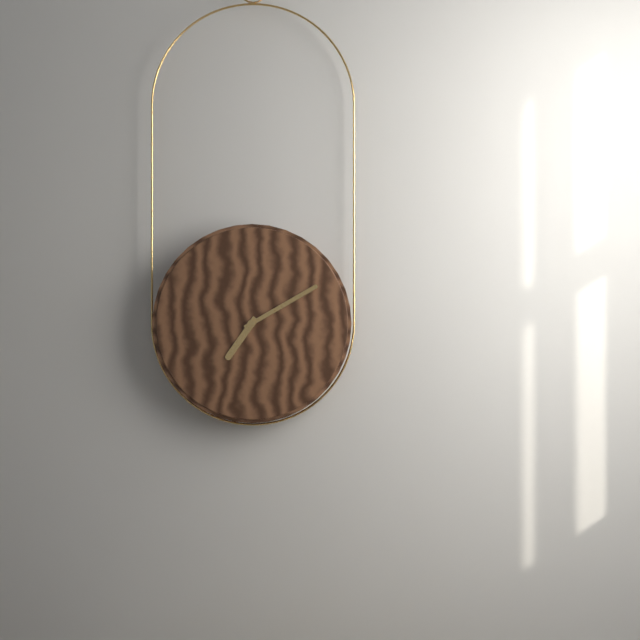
7h10
